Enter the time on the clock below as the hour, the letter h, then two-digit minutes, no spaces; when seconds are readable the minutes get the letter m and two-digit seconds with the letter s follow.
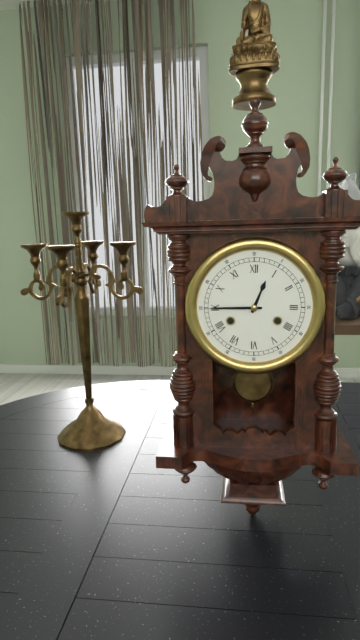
12h45
